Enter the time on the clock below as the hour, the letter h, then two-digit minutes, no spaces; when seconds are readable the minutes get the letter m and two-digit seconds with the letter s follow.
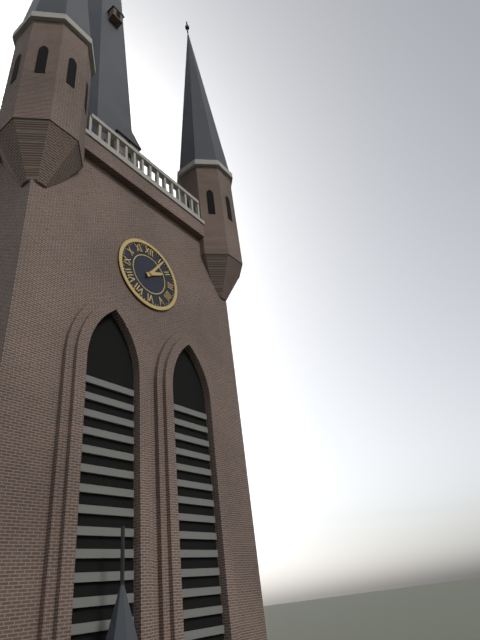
2h06
